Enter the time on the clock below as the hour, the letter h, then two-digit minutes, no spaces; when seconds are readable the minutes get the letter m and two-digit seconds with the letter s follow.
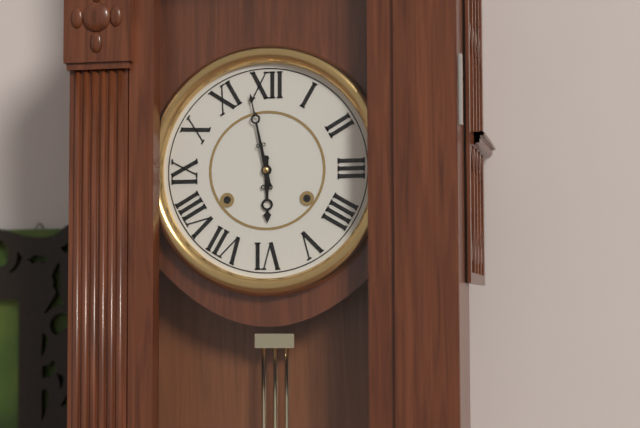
5h58
